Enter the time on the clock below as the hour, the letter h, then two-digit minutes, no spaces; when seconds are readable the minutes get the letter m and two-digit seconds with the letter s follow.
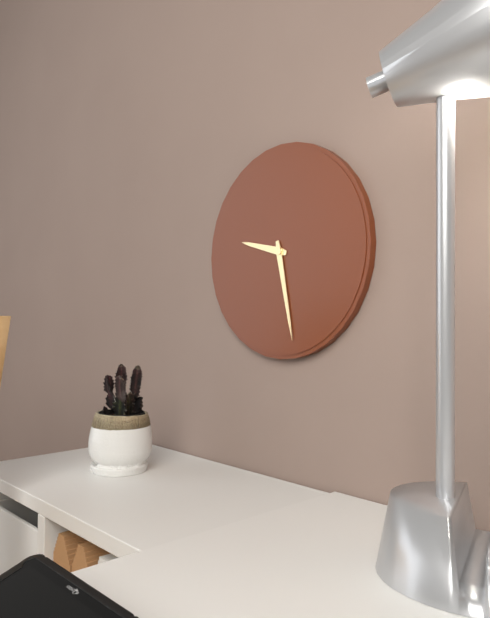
9h28
